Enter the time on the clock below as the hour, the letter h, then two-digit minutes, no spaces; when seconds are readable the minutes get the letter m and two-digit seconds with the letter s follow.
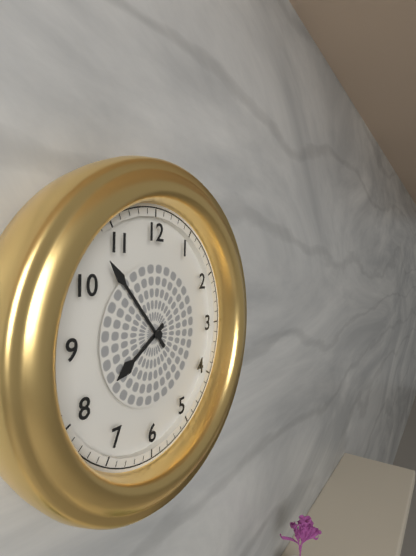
7h53
